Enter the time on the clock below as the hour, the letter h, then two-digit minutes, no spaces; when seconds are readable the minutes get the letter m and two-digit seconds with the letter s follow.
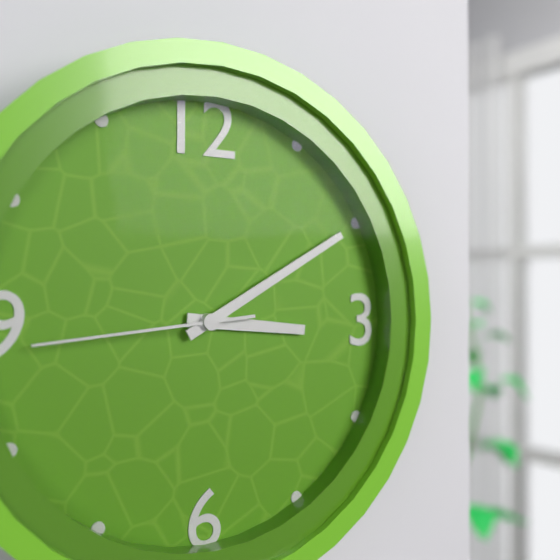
3h10m44s
